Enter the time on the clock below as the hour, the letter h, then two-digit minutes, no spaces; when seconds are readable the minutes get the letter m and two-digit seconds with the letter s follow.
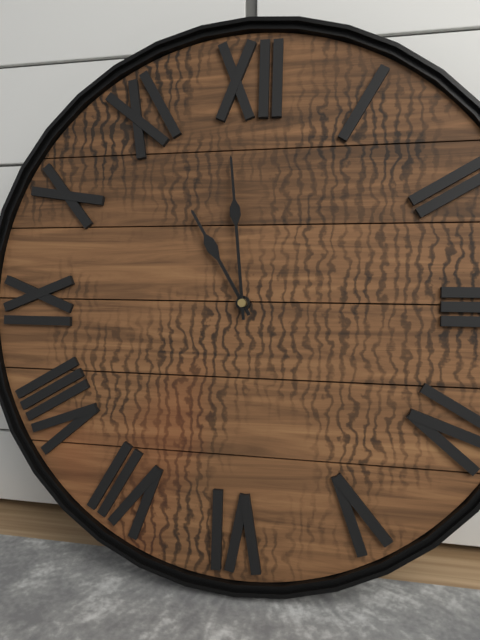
10h59
